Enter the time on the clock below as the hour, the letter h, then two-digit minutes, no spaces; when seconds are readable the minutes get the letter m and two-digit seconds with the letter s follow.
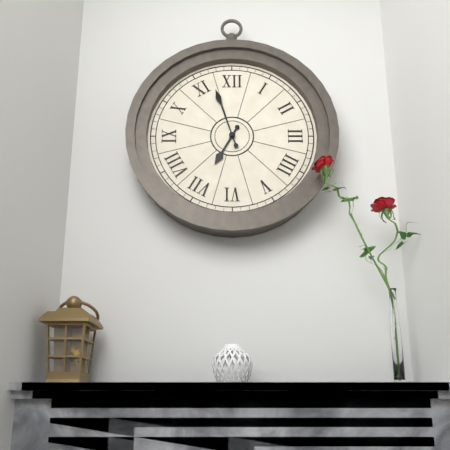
6h57
